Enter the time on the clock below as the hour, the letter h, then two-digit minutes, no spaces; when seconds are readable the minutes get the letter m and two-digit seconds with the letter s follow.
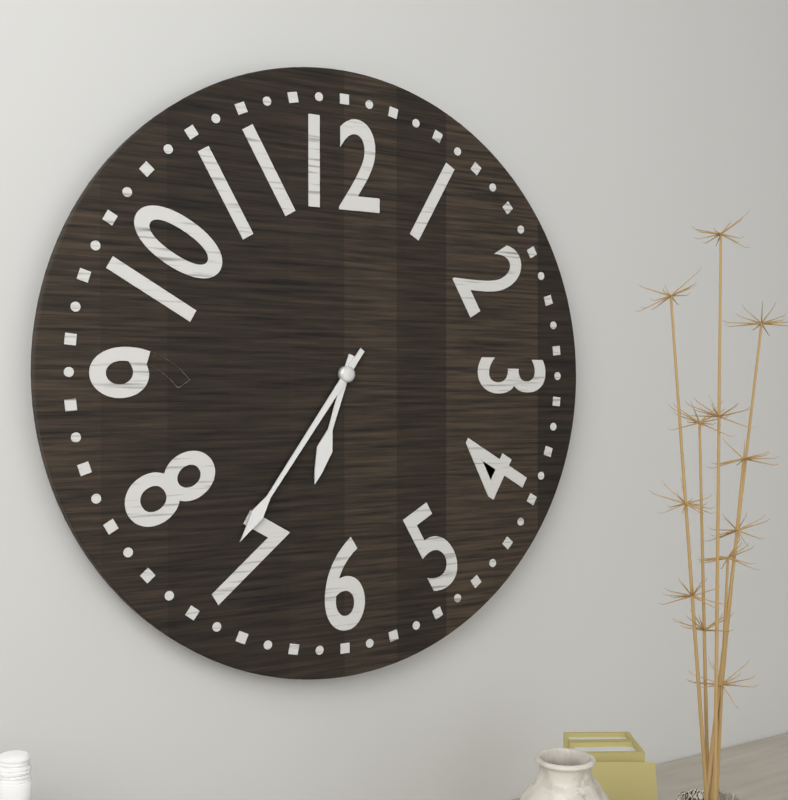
6h36
